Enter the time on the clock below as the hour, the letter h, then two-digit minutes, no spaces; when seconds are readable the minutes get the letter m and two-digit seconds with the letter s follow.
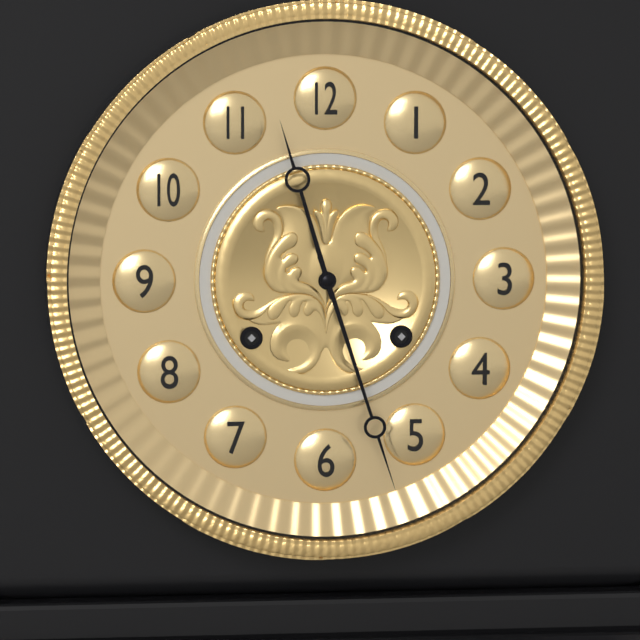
11h27
